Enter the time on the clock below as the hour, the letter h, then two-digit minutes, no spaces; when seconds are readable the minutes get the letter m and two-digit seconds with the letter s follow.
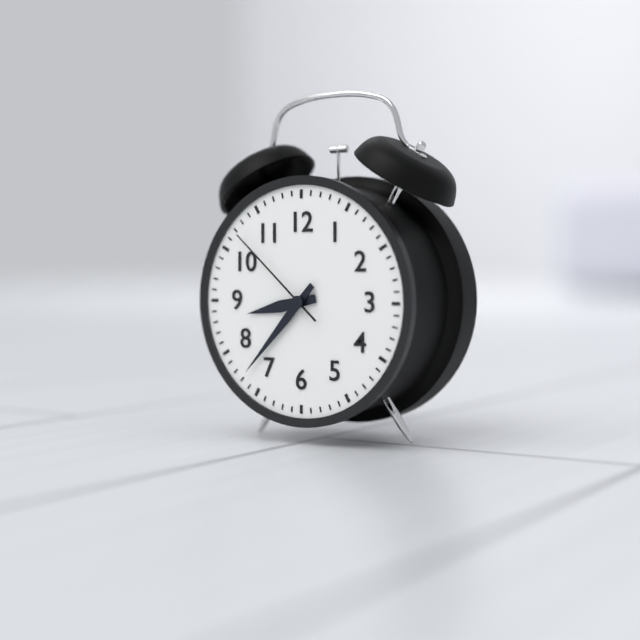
8h37m52s
